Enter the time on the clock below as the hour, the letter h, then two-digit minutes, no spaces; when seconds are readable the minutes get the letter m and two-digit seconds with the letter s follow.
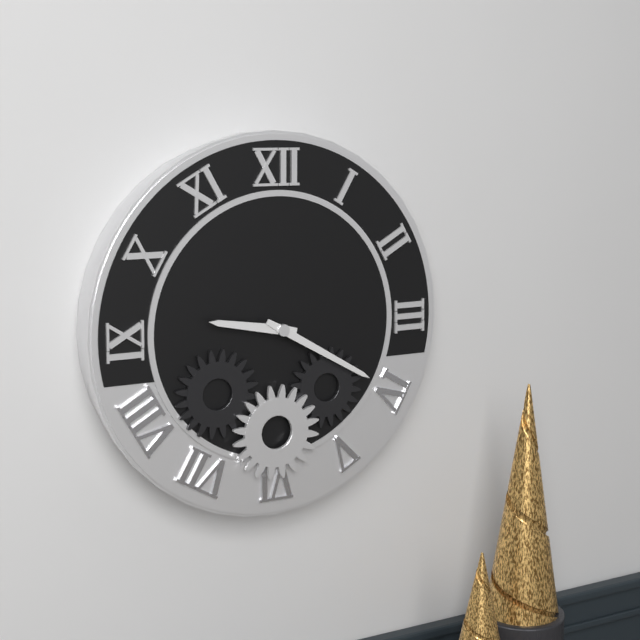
9h20
